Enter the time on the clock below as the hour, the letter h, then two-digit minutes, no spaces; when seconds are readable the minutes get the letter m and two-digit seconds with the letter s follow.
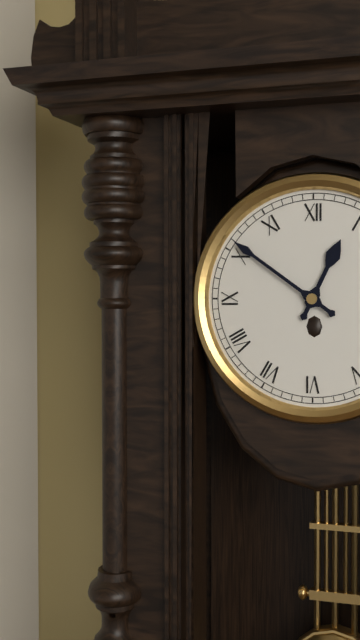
12h51
